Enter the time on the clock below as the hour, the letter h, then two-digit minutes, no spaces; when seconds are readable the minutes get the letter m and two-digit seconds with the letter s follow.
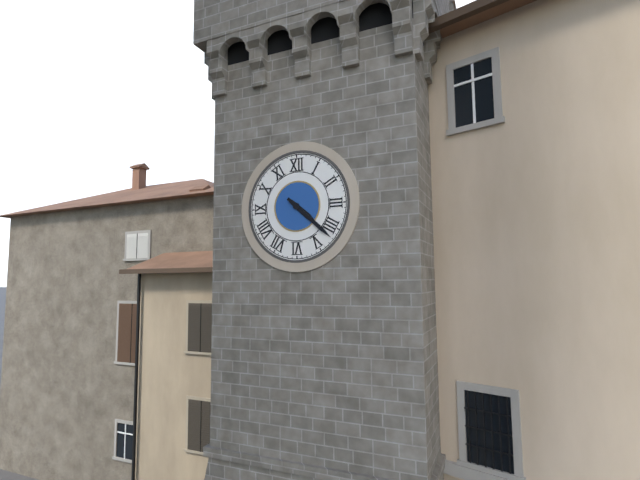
4h22
